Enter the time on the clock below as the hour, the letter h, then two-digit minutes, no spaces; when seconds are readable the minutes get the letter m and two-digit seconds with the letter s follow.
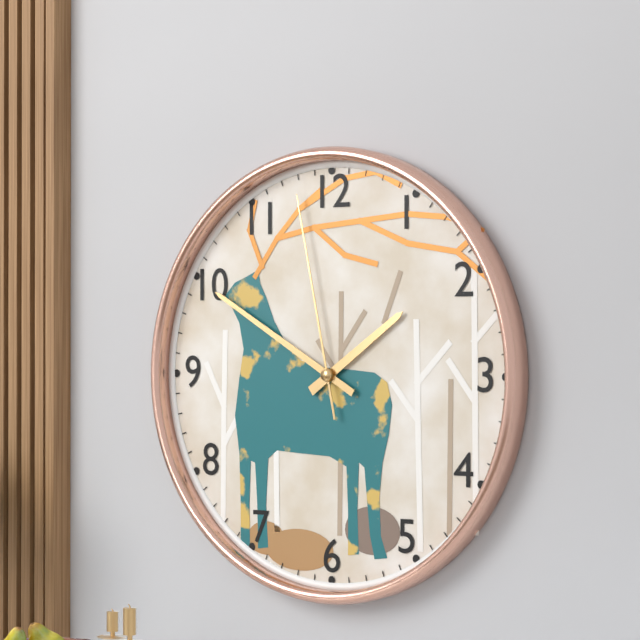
1h50m58s
